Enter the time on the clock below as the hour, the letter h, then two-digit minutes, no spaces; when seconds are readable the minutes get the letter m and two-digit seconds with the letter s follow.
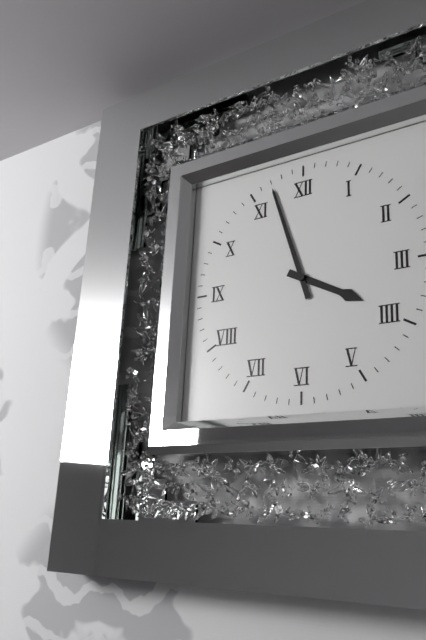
3h57
